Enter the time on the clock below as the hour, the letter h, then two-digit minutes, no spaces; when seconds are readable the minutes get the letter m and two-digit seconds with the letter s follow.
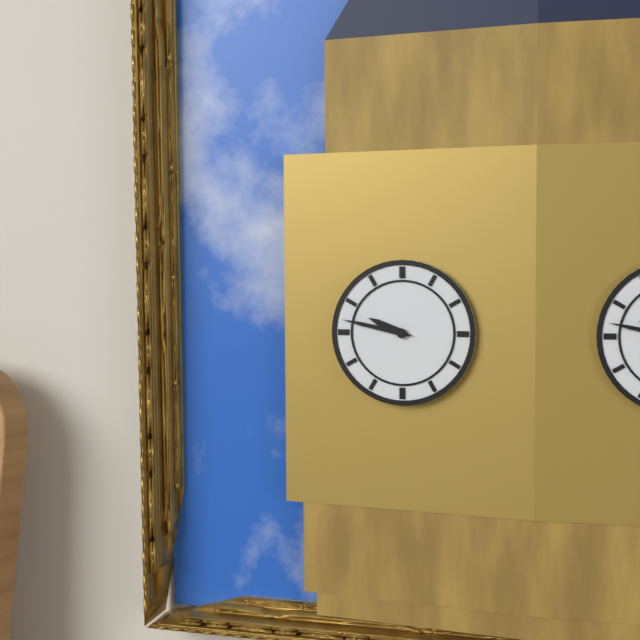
9h47
